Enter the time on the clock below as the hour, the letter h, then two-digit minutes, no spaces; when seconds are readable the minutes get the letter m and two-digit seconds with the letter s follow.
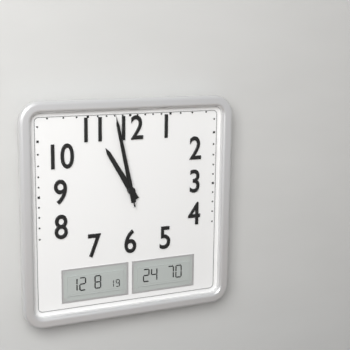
10h58m58s
